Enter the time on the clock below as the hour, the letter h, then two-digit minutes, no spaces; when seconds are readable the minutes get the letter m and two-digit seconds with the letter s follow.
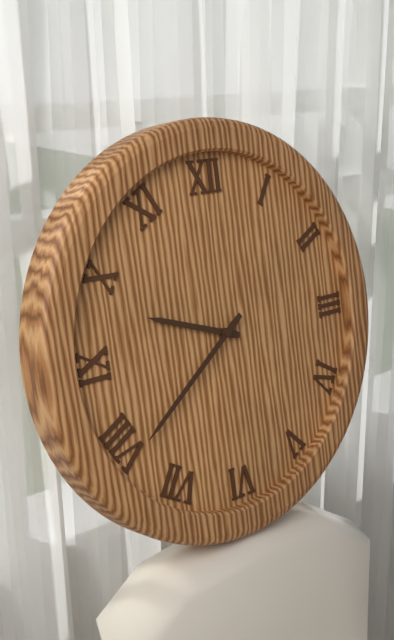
9h39
